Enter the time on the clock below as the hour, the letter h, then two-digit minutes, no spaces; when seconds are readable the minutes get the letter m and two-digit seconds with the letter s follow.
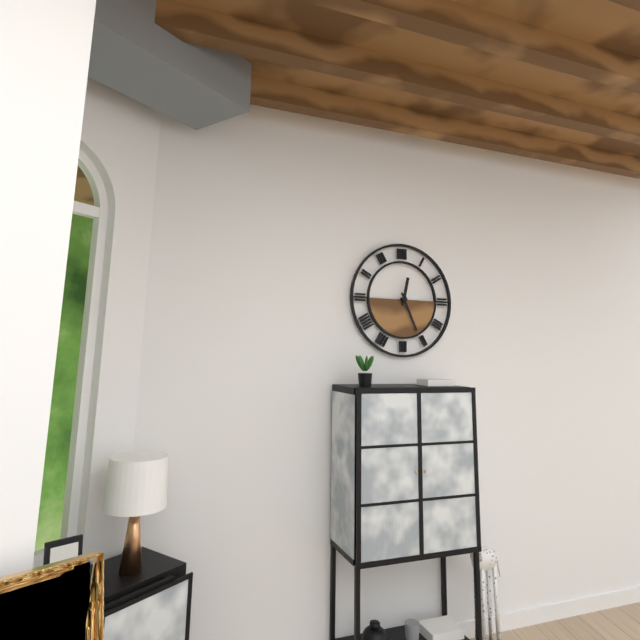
12h26
